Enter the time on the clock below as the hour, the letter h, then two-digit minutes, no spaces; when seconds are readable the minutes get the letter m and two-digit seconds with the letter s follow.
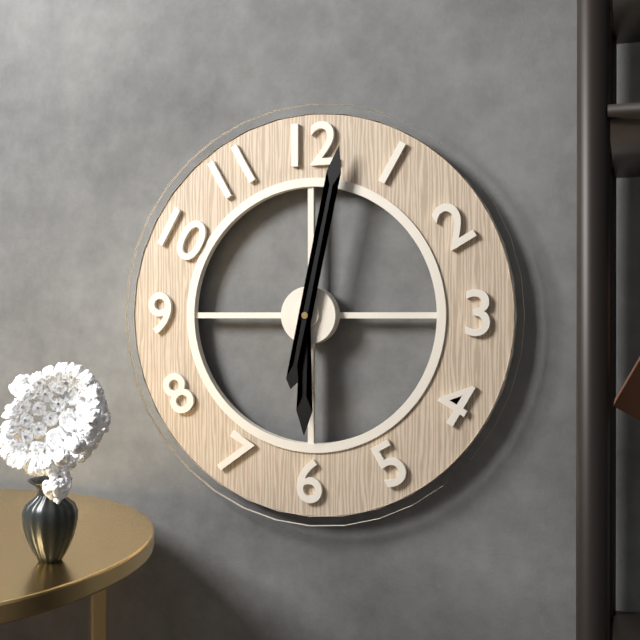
6h02
